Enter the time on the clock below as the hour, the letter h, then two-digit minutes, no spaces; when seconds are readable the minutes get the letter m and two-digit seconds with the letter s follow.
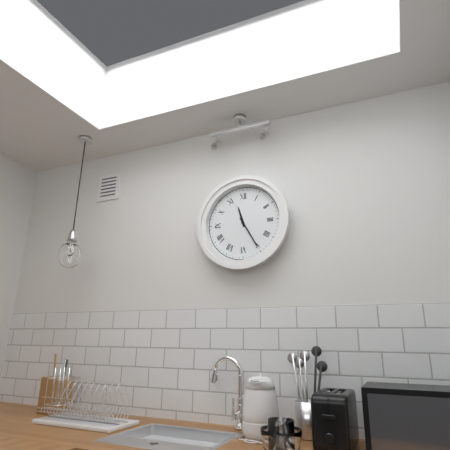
11h25
